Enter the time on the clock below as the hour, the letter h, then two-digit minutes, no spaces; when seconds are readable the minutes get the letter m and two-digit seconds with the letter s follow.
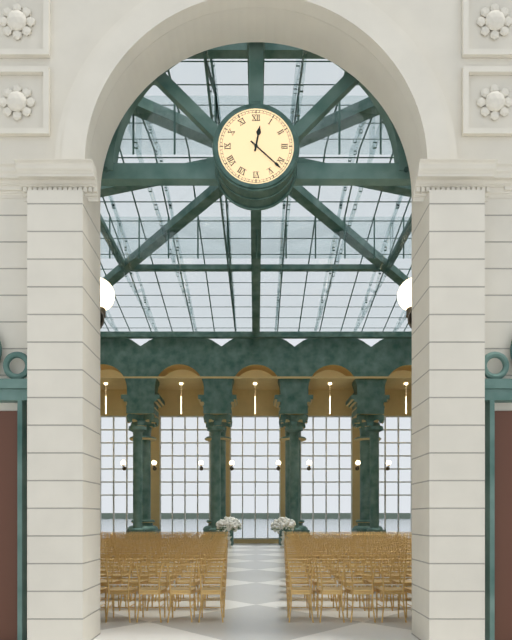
12h22
